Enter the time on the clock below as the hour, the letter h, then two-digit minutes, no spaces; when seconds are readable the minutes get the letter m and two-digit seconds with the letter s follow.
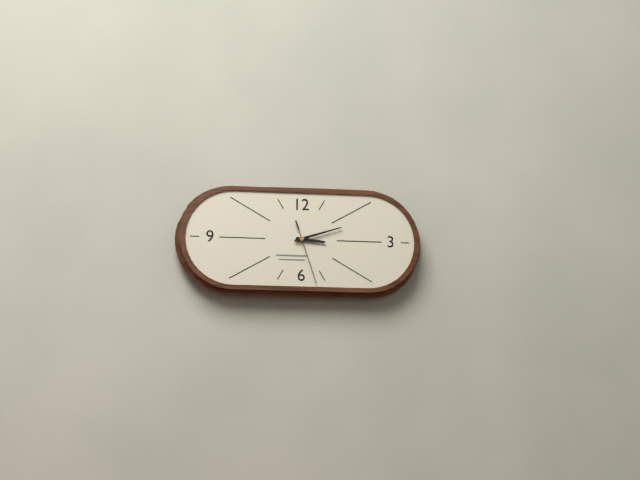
3h12m27s
